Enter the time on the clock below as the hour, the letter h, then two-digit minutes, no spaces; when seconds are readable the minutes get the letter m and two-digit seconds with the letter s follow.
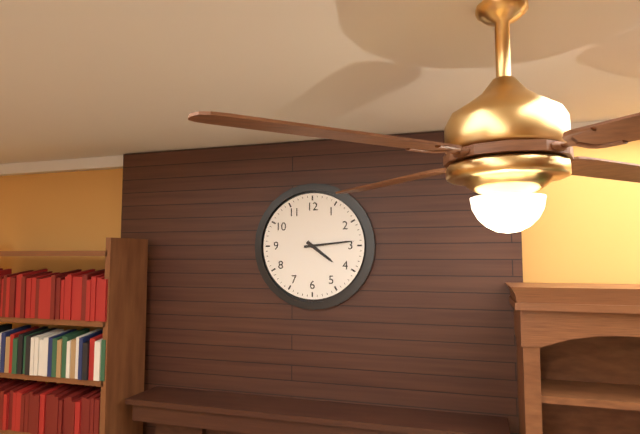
4h14
